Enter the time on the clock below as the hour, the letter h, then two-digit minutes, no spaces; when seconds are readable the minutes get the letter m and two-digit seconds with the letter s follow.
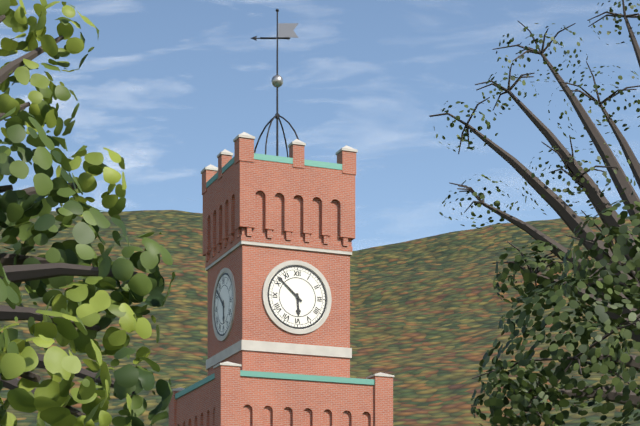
5h52
